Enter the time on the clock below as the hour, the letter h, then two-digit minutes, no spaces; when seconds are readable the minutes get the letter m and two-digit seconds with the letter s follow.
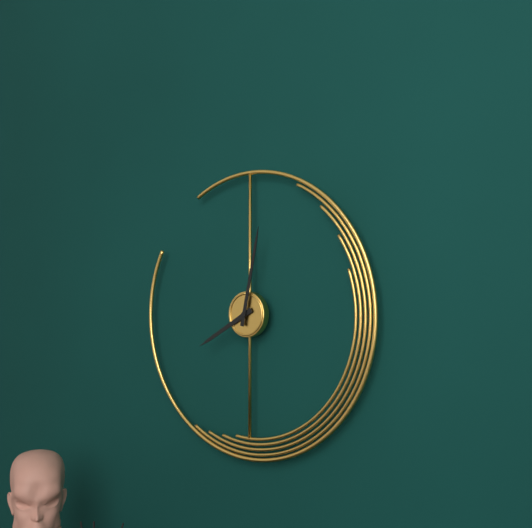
8h02
